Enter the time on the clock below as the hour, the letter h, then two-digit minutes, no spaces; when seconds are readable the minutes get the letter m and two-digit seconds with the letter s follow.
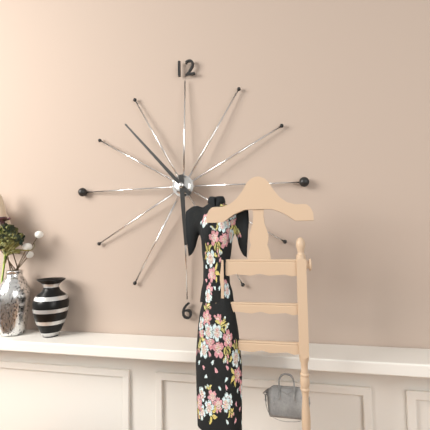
5h53
